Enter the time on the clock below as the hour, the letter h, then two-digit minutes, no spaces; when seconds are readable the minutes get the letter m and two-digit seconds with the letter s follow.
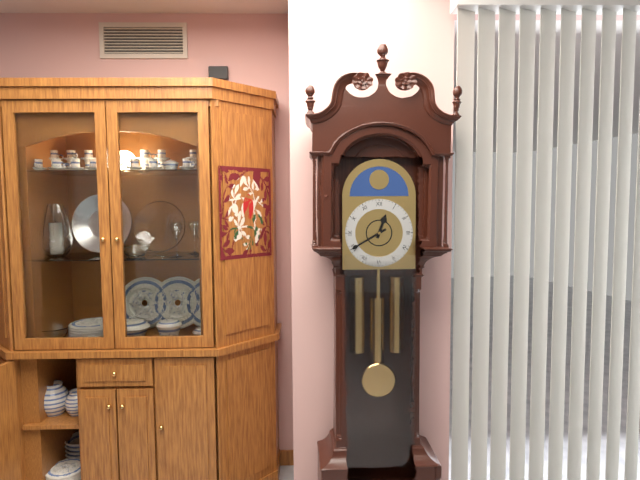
12h40
